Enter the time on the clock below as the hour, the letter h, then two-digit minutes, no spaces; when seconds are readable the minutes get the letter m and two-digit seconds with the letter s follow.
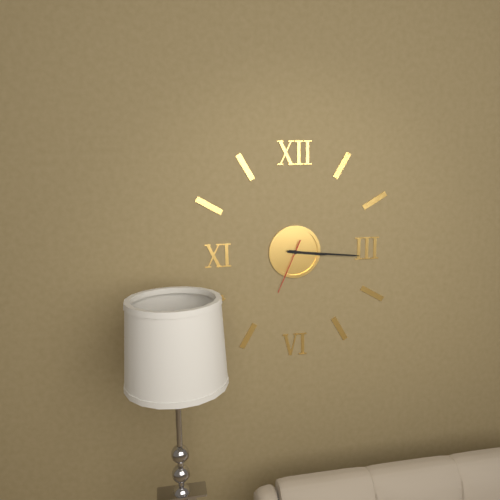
3h16m34s
